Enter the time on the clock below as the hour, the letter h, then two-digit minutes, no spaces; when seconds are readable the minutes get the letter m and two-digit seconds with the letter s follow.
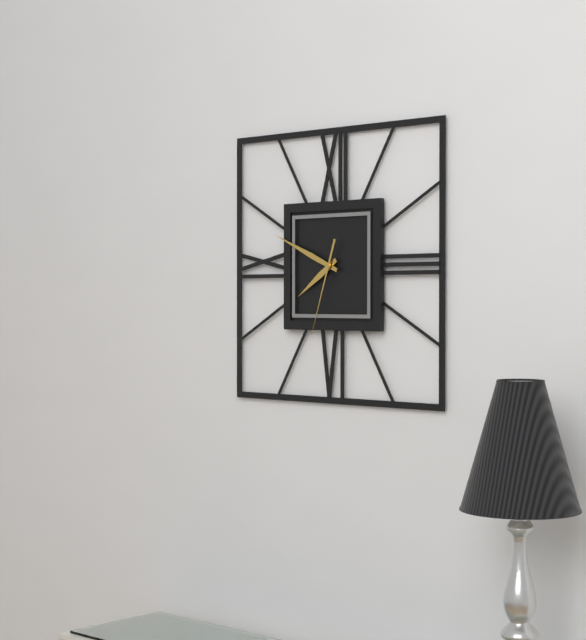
7h49m33s
